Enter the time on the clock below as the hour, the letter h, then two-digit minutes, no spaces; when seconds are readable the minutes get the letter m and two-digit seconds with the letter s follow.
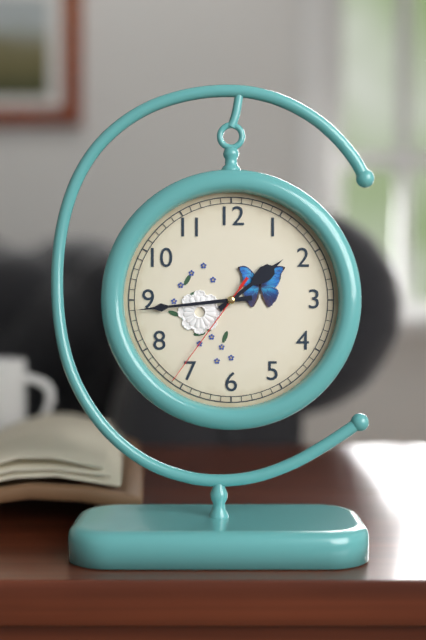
1h44m36s
